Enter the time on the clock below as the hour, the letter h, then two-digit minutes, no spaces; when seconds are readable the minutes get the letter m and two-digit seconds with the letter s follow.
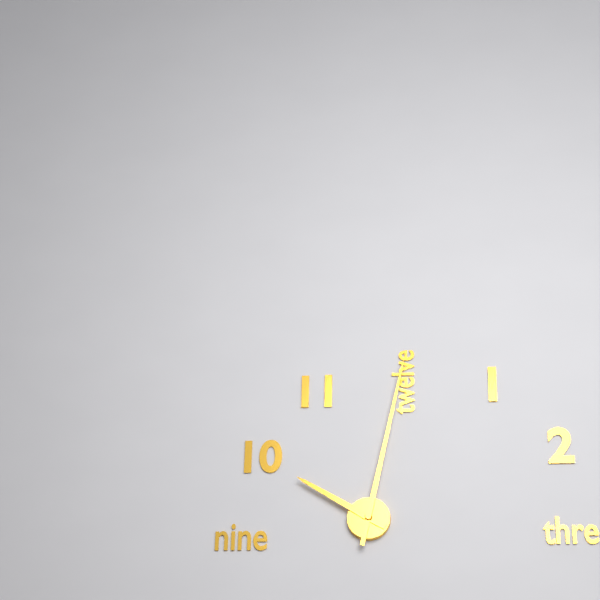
10h02
